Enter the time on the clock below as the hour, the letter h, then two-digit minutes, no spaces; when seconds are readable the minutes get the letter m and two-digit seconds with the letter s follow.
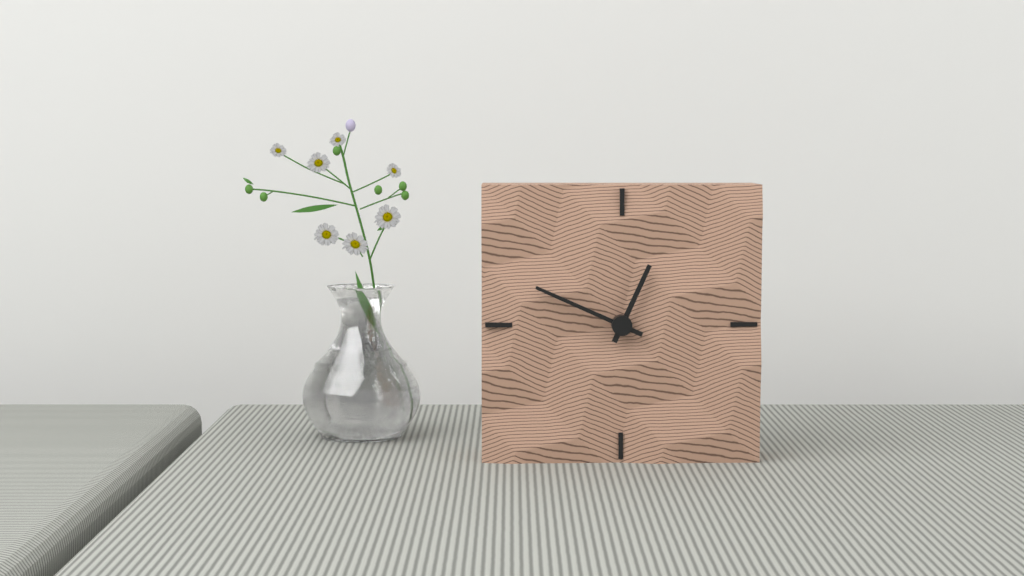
12h49
